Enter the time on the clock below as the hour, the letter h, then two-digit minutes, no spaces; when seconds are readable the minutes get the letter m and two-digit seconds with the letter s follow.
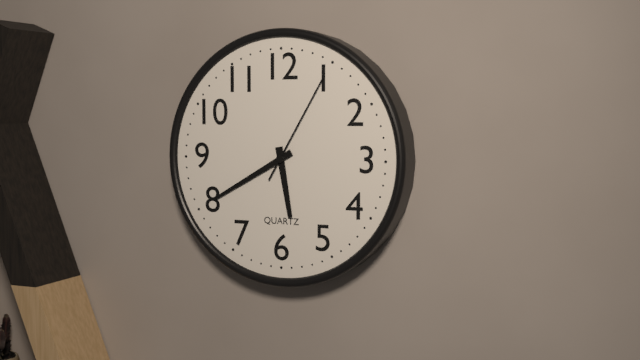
5h40m05s
